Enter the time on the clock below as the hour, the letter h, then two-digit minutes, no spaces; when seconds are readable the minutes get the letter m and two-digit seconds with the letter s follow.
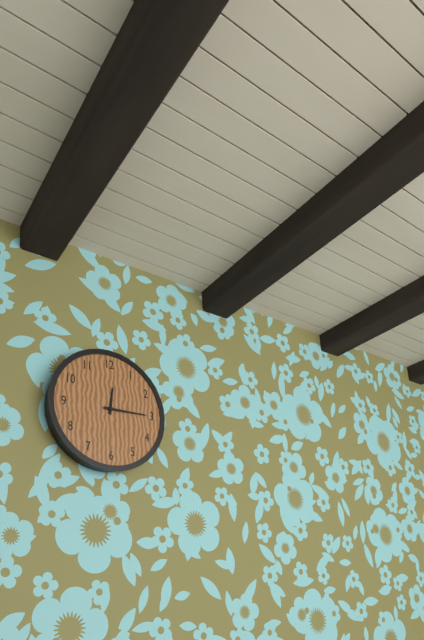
12h15
